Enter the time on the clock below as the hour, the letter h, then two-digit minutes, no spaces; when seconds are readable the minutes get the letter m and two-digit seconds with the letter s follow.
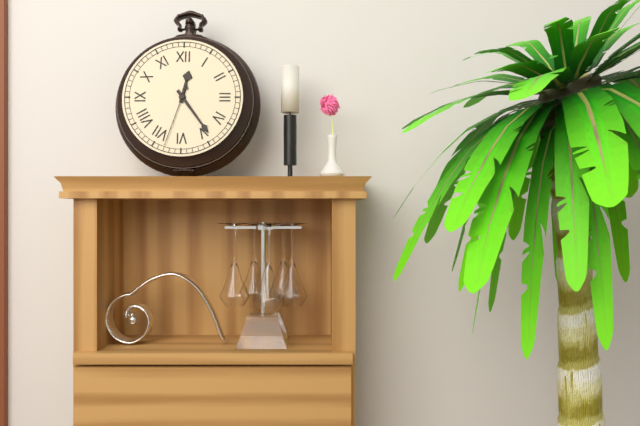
12h24m33s
